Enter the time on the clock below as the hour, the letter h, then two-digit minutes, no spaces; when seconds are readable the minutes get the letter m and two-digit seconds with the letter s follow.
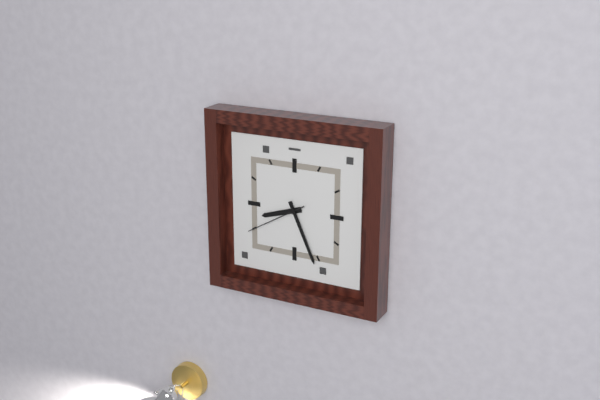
8h26m40s
